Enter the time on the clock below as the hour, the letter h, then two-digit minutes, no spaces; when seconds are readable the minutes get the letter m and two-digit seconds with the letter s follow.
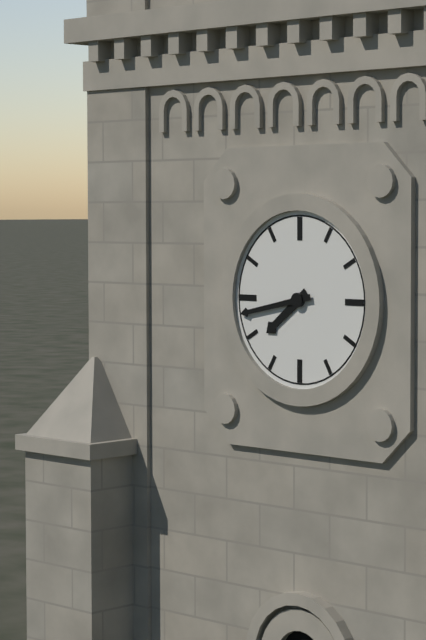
7h43
